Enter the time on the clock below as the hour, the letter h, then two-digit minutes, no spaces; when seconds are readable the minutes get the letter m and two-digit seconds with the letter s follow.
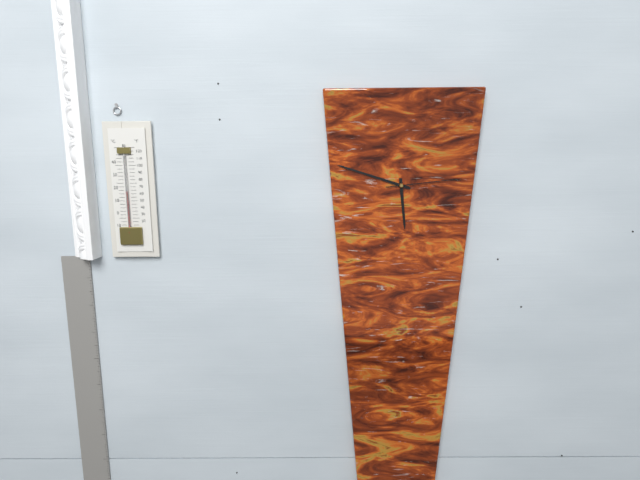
5h48m14s
